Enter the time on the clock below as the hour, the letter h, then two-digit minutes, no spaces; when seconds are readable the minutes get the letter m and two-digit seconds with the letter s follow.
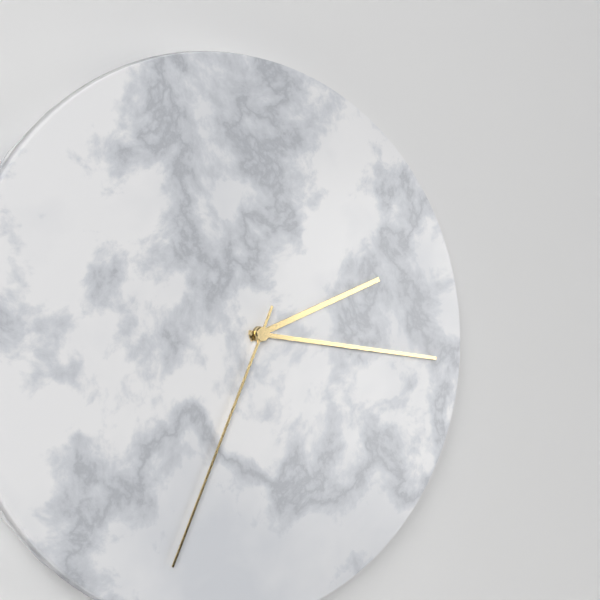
2h16m34s
